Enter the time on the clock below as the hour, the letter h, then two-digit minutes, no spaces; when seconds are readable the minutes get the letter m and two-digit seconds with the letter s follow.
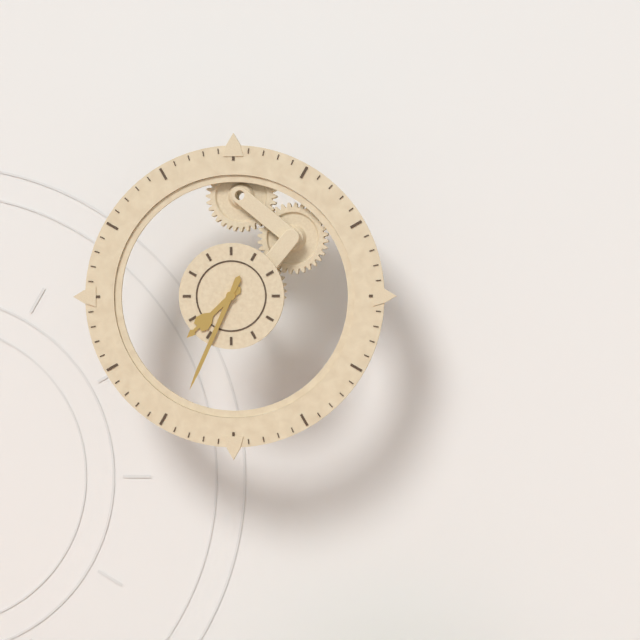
7h34
